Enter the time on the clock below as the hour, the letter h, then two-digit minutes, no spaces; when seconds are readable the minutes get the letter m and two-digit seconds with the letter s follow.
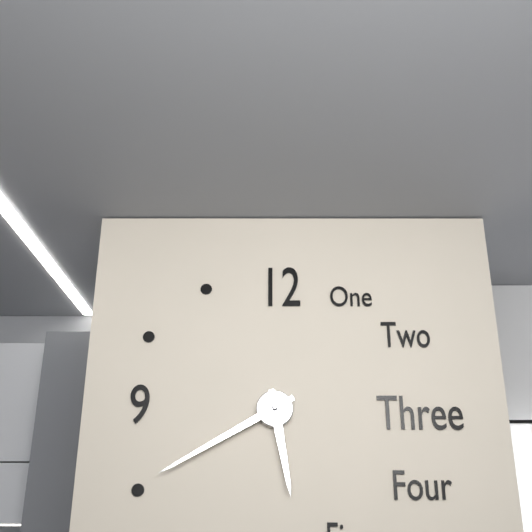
5h40
